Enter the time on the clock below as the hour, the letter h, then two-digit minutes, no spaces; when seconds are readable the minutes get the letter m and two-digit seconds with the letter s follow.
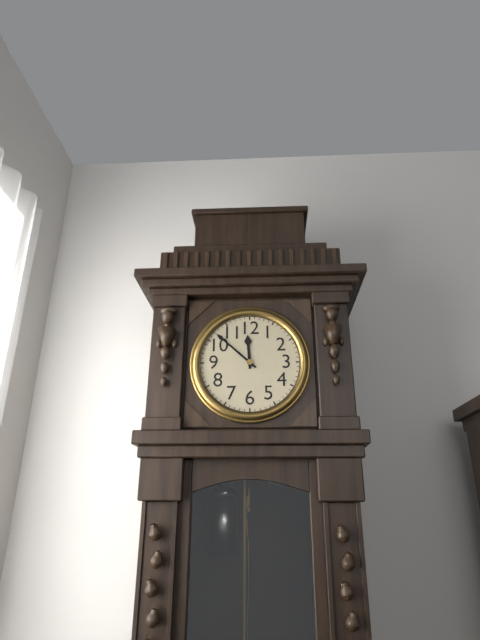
11h52
